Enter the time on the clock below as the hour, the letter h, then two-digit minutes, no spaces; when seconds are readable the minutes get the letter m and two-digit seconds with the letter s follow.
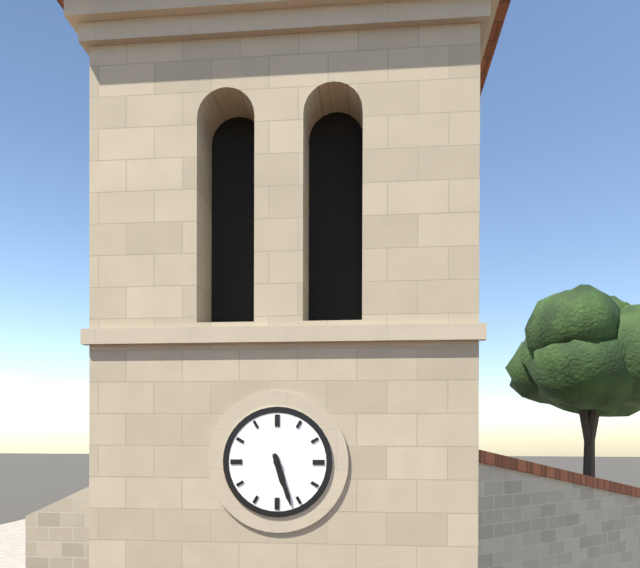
5h27
